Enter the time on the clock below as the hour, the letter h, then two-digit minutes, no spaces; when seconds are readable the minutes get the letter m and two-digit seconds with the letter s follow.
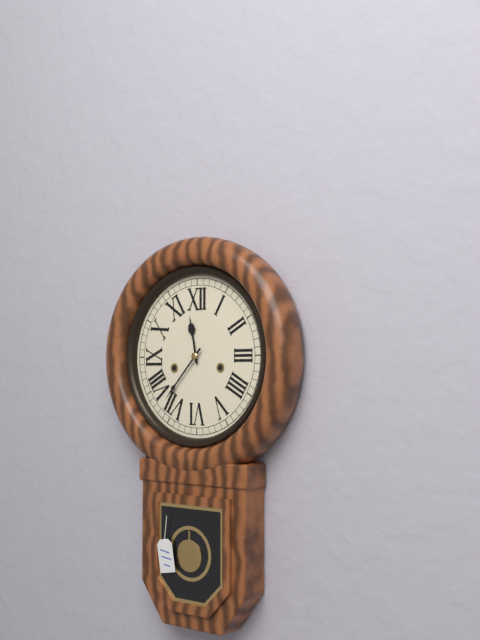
11h37
